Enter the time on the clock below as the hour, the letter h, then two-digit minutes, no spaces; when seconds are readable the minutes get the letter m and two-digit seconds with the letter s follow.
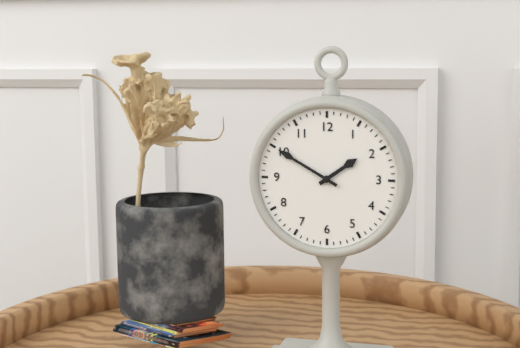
1h50
